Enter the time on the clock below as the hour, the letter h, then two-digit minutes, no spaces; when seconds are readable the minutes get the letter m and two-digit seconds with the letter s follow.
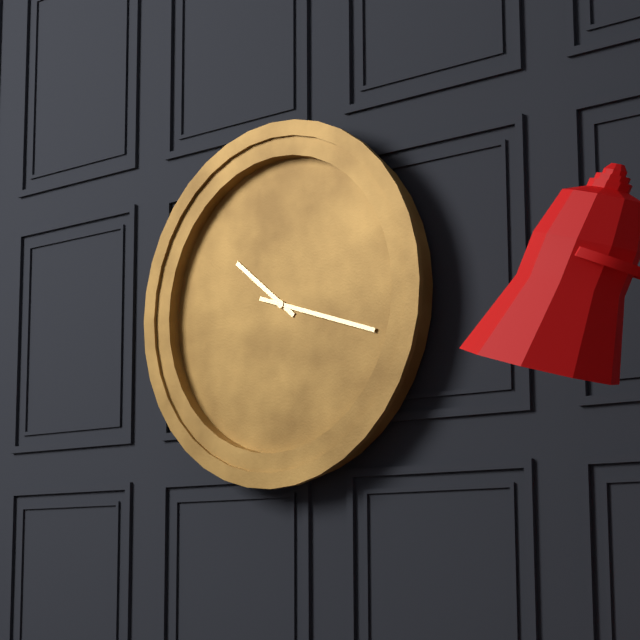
10h18
